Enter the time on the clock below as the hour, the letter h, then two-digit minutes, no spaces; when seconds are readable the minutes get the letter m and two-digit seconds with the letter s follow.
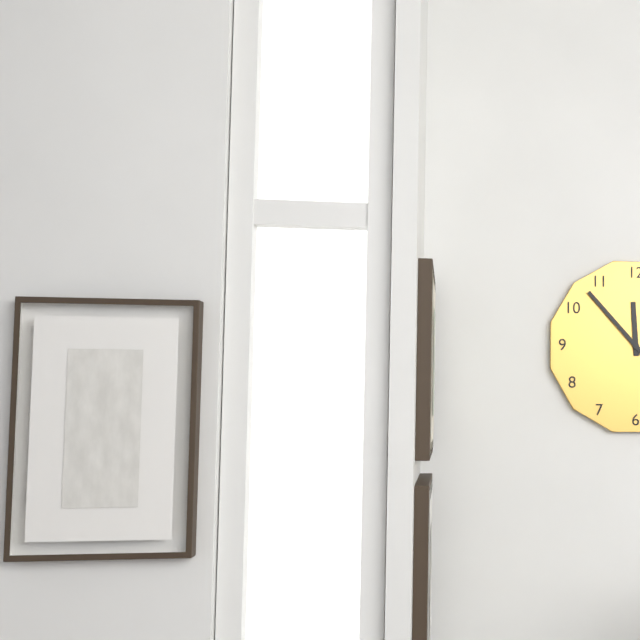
11h53
